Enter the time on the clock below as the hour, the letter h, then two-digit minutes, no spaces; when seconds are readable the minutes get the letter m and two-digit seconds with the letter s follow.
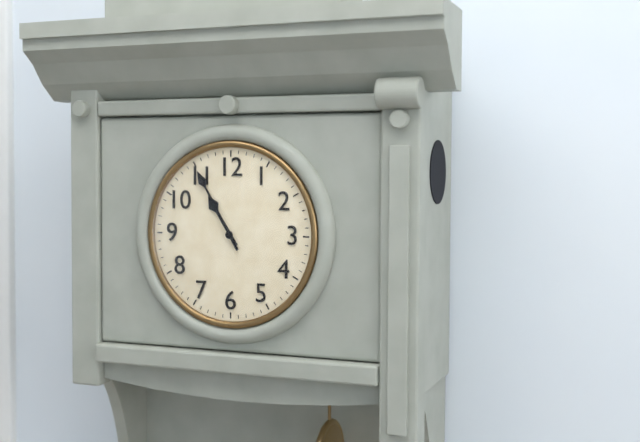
10h55
